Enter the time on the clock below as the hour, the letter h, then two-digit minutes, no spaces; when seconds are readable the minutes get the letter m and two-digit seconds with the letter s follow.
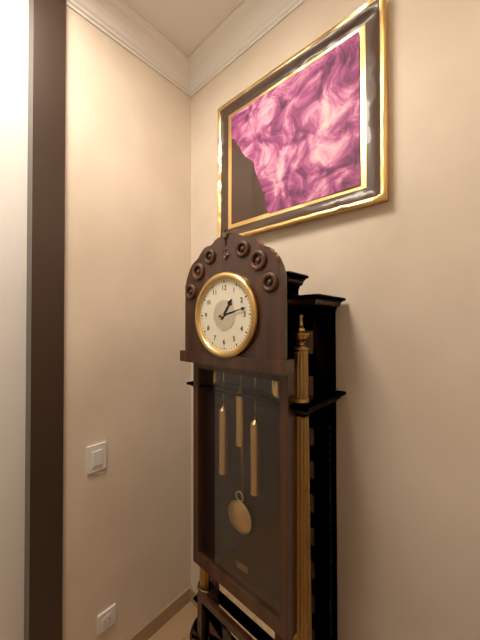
1h13
